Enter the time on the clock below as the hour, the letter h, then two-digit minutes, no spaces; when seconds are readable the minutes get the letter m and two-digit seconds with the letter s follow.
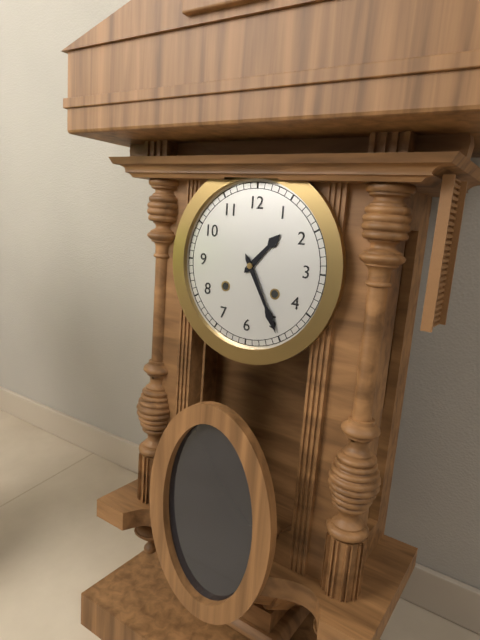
1h25
